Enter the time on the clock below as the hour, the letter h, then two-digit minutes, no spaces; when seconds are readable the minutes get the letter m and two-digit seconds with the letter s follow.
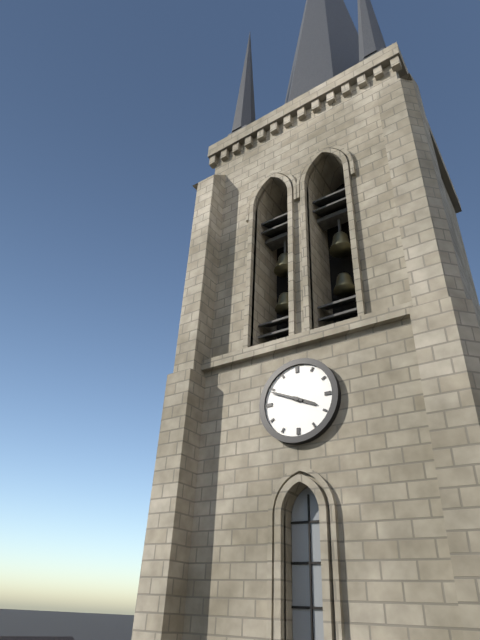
3h49
